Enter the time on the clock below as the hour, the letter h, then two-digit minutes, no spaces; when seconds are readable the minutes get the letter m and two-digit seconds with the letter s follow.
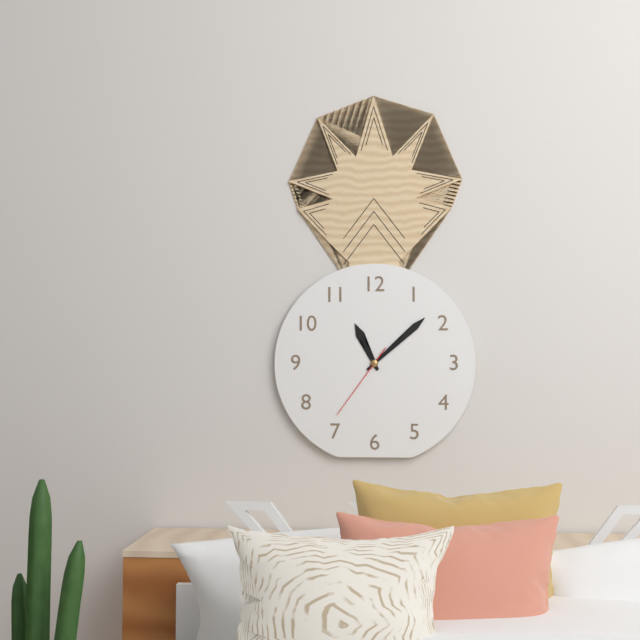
11h08m36s
